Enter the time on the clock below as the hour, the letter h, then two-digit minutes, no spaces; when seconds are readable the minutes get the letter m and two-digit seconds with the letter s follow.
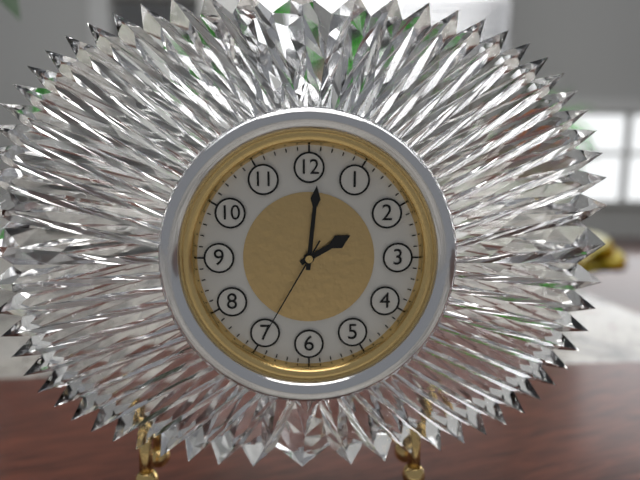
2h01m35s
